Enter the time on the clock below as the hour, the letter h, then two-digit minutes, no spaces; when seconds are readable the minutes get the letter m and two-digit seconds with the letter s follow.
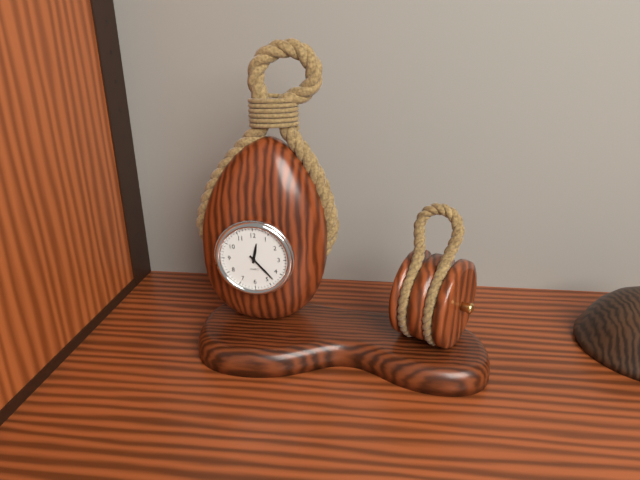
12h23
